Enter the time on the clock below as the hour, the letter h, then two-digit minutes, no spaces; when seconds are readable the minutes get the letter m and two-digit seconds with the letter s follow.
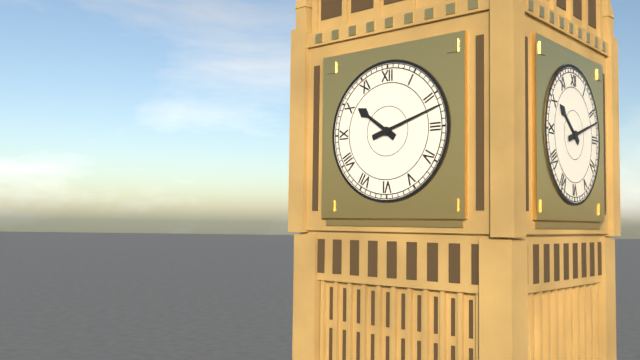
10h12
